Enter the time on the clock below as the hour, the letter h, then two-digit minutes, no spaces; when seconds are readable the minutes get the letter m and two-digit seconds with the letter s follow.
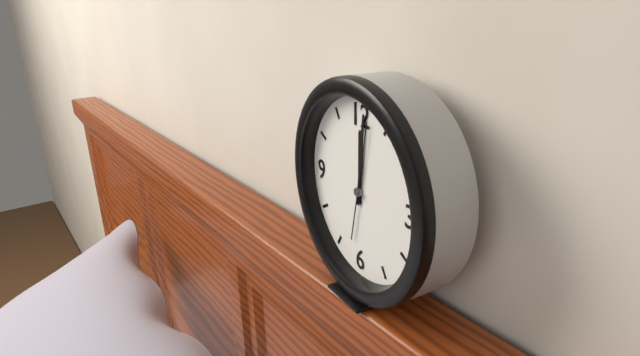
12h01m02s
